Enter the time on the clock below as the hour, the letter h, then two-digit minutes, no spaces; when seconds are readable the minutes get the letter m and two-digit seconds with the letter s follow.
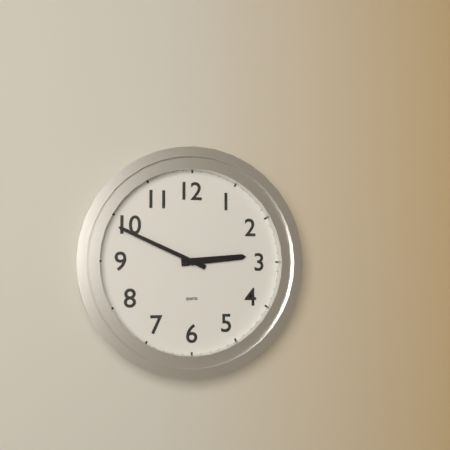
2h49
